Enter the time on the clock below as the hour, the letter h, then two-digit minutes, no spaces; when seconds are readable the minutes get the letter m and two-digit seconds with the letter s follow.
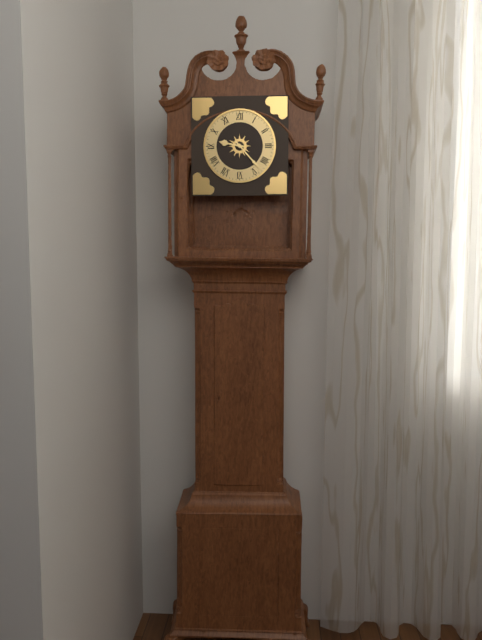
9h23
